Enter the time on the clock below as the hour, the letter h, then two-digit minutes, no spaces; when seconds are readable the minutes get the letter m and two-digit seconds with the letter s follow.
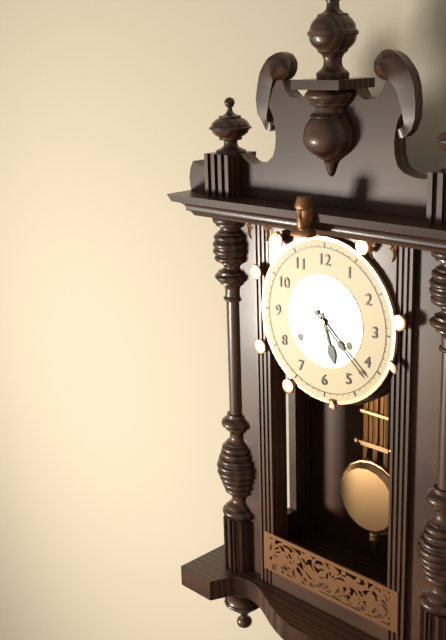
5h22
